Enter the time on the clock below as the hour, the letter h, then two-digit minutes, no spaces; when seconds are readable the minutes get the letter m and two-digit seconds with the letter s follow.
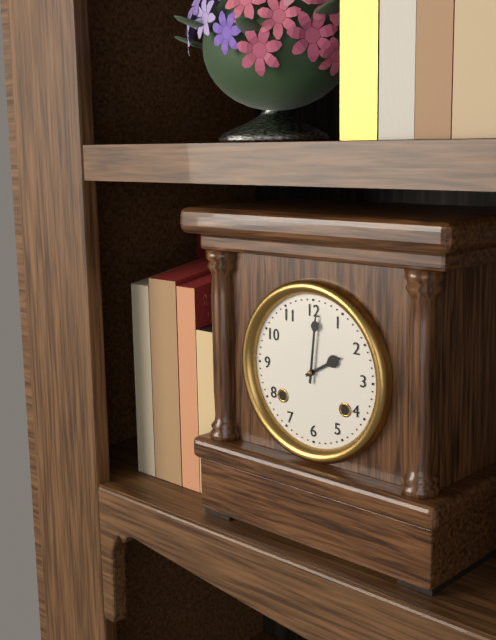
2h01
